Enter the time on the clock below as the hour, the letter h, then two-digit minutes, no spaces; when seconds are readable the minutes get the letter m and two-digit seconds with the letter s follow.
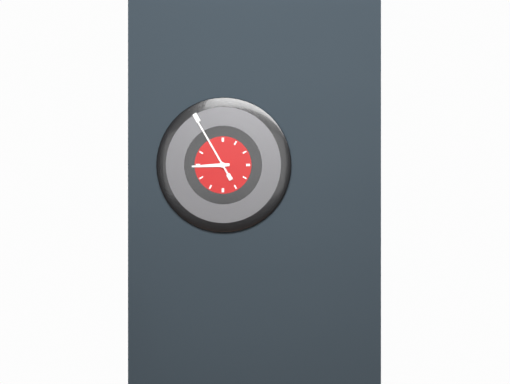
8h55
